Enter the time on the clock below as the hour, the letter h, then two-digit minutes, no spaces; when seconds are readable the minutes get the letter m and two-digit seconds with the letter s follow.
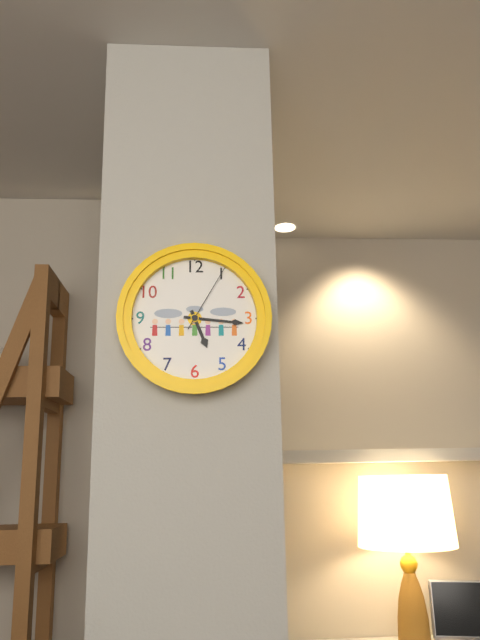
5h16m05s
